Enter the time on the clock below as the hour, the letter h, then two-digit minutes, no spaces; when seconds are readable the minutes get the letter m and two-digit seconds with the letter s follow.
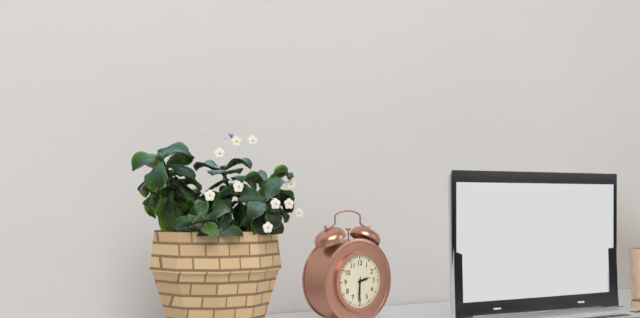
2h31
